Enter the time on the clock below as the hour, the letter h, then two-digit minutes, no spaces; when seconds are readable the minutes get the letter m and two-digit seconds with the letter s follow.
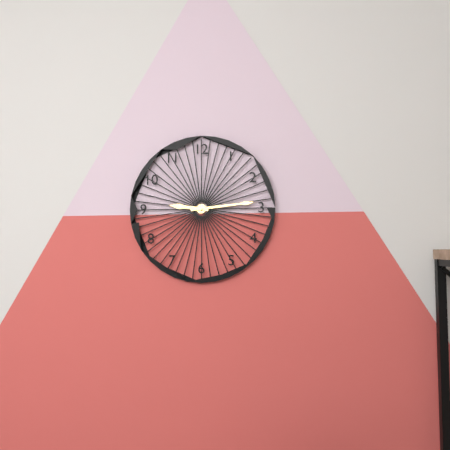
9h14
